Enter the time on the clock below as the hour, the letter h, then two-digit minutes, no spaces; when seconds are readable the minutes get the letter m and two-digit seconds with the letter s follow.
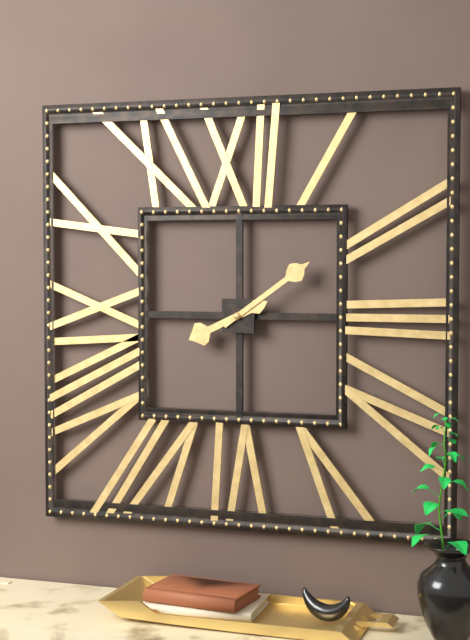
8h09
